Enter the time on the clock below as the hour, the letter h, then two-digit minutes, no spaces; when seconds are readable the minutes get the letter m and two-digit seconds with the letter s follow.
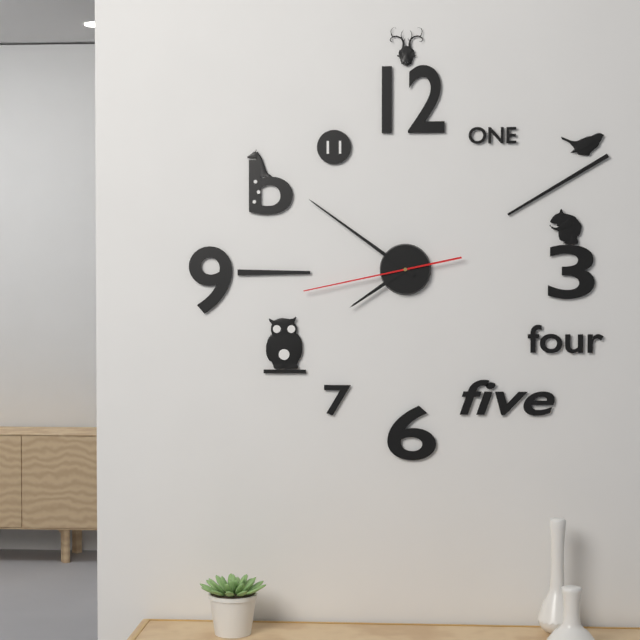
7h51m43s
